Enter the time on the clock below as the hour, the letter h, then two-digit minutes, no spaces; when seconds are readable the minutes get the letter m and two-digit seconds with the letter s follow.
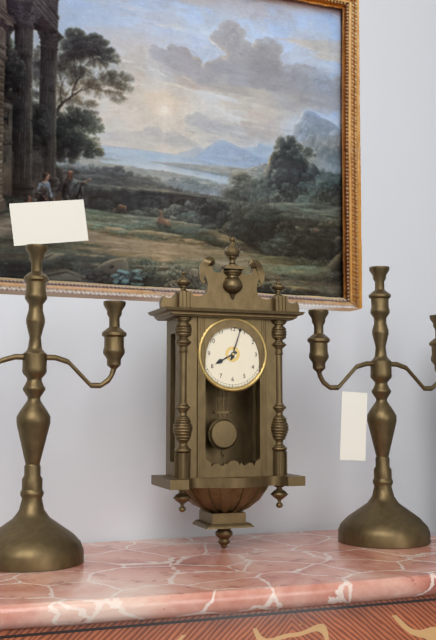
8h03
